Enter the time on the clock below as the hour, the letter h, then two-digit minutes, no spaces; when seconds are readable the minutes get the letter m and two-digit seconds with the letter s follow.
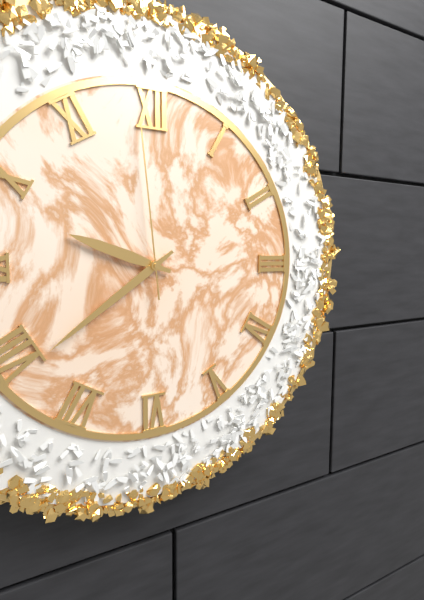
9h39m59s
